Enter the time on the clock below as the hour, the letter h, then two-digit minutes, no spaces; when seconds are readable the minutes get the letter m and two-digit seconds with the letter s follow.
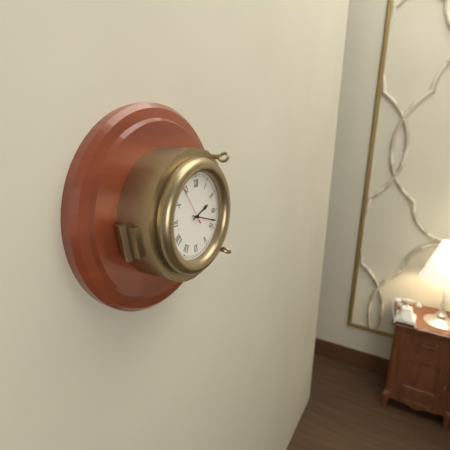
2h18
